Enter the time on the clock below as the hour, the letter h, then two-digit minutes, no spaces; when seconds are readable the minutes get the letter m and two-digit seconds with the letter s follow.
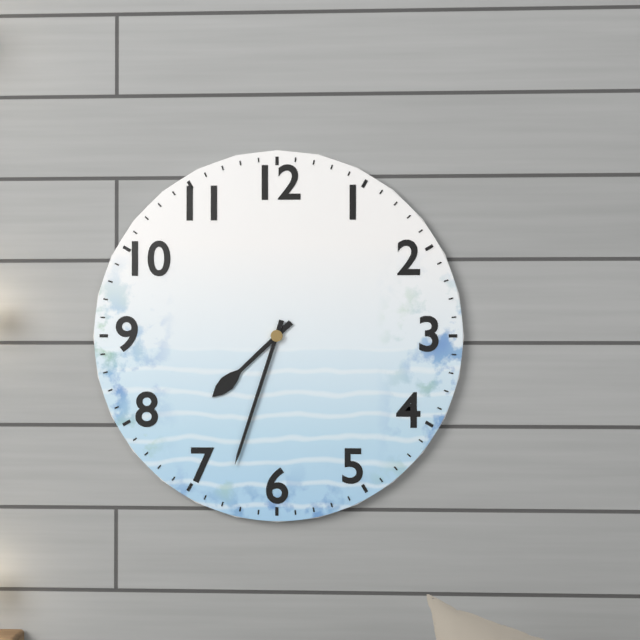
7h33
